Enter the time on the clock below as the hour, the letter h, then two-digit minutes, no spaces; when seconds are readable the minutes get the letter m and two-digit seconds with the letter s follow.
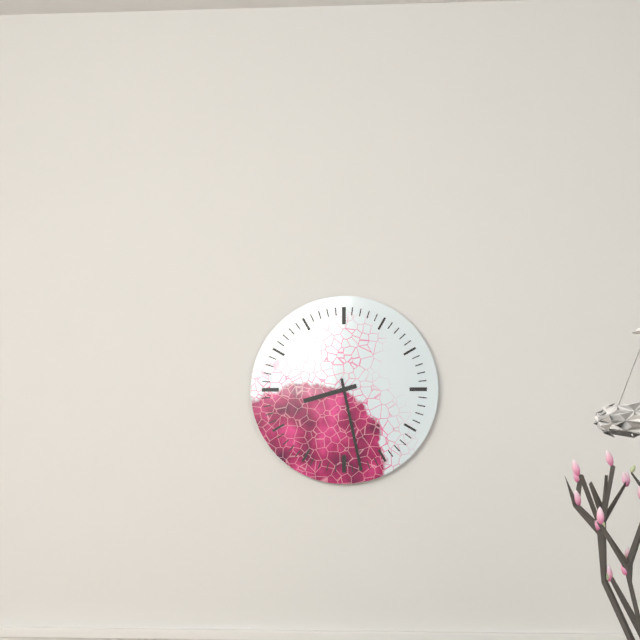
8h28
